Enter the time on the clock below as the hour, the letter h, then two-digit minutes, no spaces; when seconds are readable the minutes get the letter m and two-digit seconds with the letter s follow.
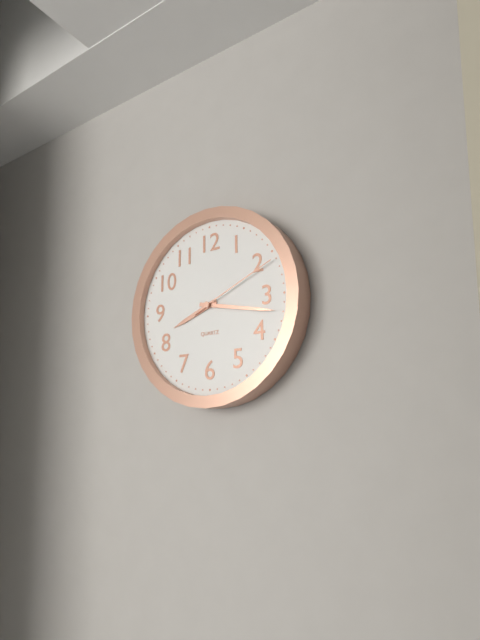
8h17m11s
